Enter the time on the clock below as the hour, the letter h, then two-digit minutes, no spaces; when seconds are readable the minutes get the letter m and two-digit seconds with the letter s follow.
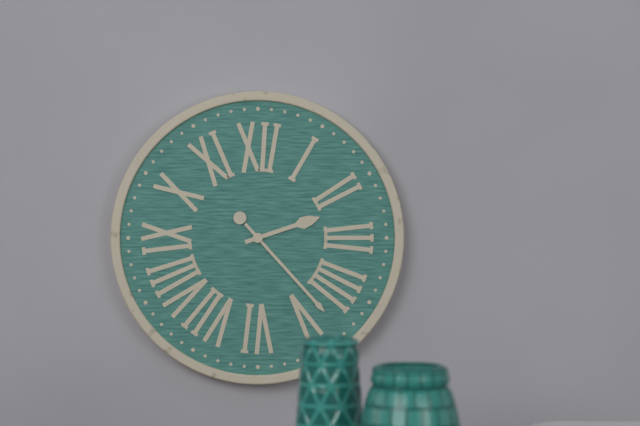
2h23
